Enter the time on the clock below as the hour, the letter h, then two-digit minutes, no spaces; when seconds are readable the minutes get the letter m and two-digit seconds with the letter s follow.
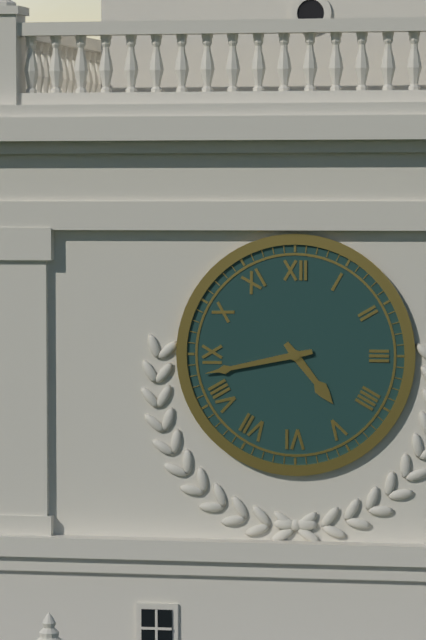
4h43
